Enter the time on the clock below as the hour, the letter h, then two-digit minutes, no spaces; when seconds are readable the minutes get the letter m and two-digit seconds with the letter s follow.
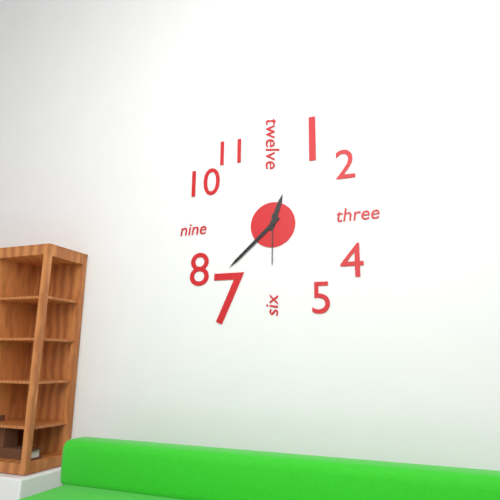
12h38m30s
